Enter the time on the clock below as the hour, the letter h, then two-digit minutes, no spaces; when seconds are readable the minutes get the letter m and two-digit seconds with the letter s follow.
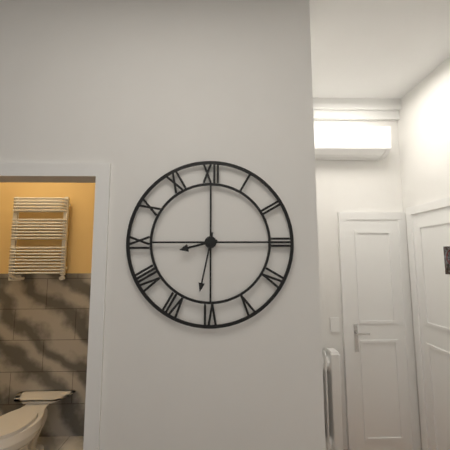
8h32
